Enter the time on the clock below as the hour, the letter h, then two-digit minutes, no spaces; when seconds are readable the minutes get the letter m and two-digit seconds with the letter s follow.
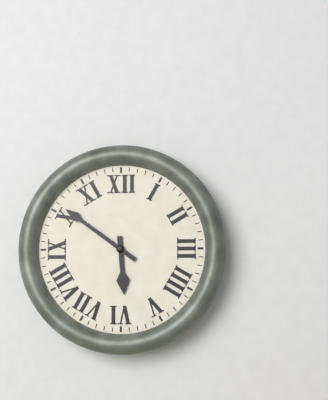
5h51
